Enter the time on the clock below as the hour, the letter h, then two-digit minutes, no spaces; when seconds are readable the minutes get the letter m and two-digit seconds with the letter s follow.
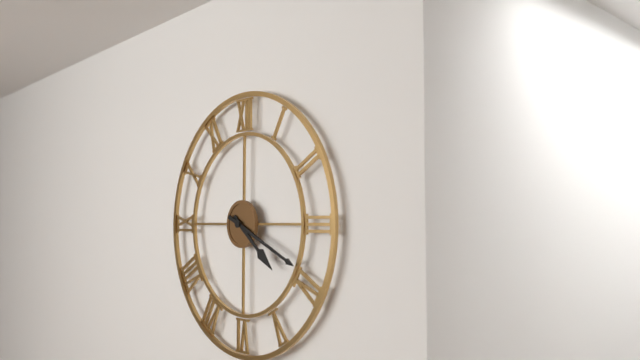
4h19
